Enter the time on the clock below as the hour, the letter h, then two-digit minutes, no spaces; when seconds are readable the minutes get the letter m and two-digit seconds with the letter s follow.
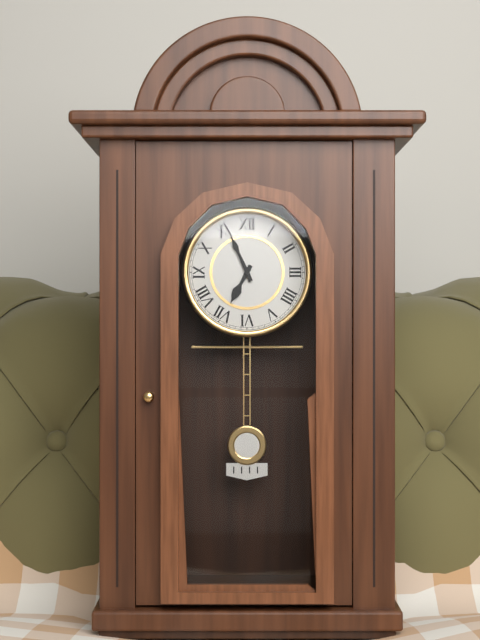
6h56
